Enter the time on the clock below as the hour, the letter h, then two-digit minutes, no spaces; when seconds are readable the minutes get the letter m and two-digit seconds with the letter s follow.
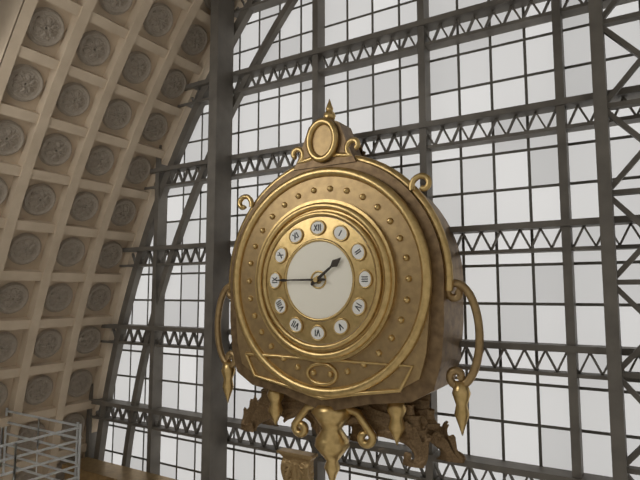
1h45
